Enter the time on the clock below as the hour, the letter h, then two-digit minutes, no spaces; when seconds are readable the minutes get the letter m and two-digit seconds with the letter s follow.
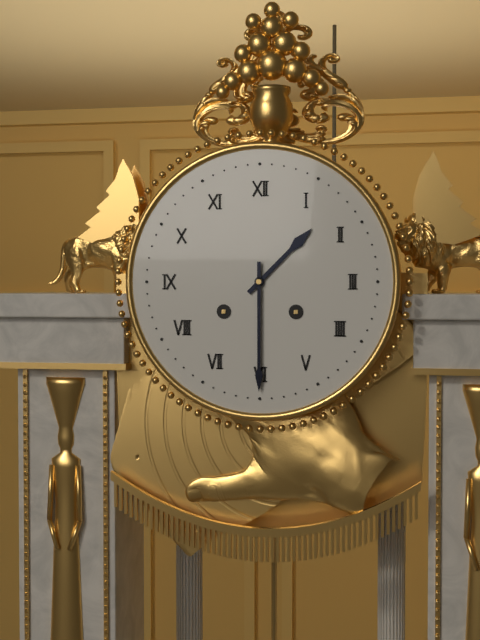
1h30
